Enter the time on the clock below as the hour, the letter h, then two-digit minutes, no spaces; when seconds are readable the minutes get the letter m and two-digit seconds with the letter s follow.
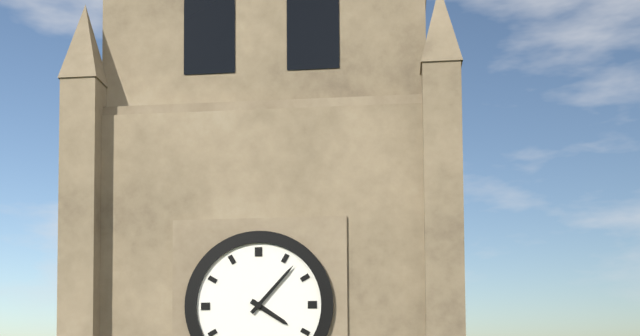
4h07
